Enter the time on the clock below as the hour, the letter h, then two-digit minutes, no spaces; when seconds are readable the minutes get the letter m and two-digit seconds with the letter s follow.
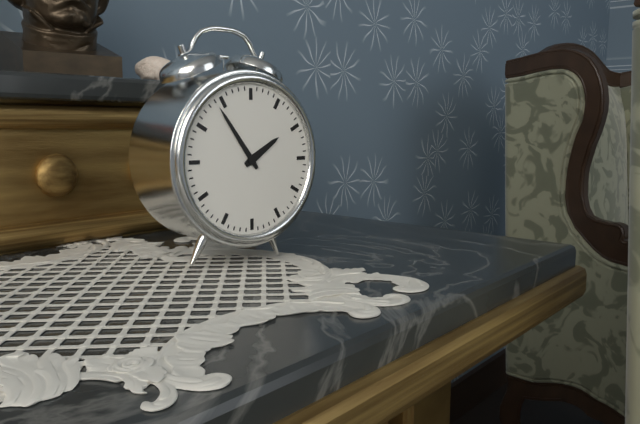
1h54
